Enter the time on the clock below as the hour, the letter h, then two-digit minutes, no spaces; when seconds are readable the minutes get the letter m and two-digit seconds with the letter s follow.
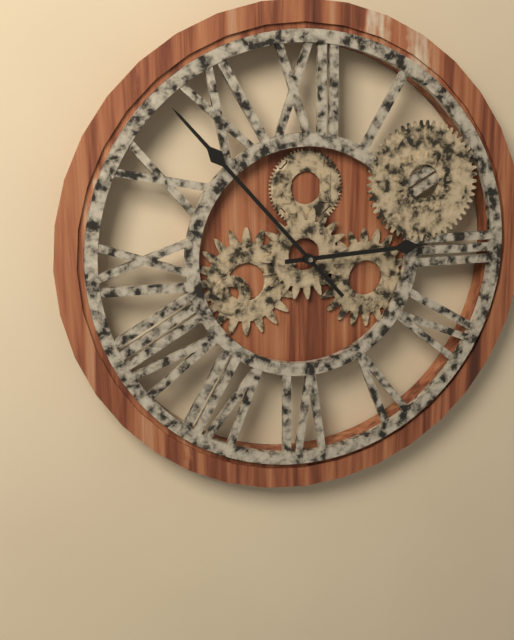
2h53
